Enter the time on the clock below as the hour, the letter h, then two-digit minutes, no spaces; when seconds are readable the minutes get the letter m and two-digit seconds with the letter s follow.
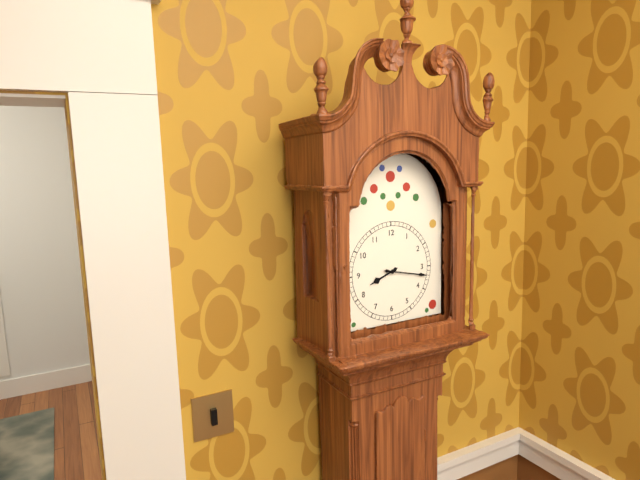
8h17
